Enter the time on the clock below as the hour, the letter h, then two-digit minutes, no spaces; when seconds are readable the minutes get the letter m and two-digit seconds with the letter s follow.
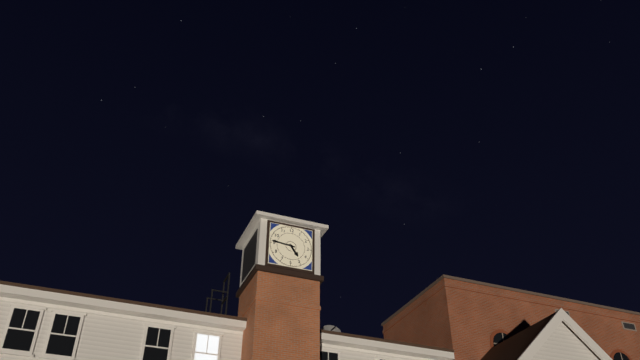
4h46
